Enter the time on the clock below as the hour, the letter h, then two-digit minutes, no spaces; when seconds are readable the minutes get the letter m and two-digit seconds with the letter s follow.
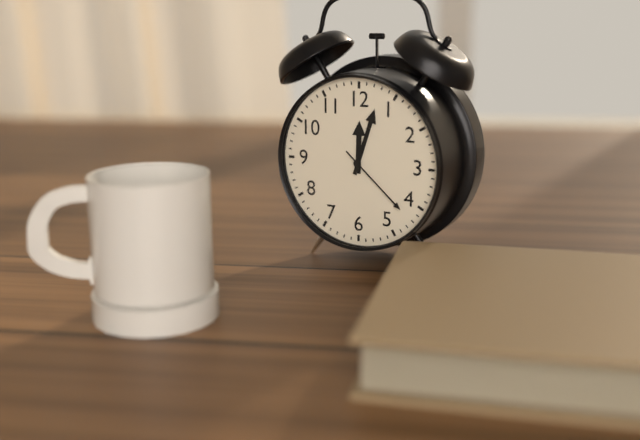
12h03m22s
